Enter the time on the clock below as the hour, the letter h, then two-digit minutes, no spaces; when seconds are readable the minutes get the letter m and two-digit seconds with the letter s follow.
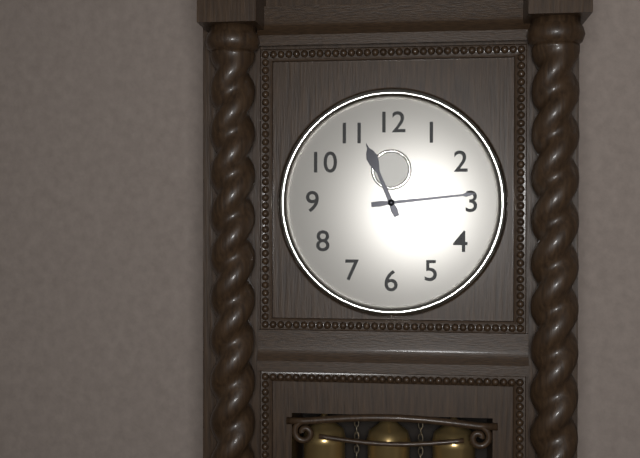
11h14
